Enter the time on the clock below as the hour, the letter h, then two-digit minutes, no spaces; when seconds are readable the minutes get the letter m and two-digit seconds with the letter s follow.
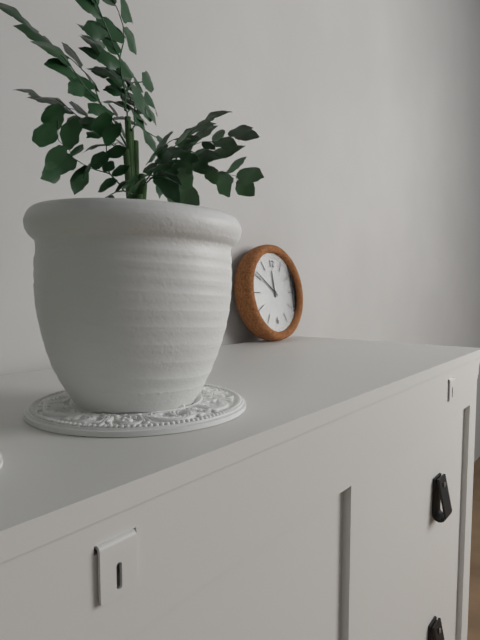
11h51
